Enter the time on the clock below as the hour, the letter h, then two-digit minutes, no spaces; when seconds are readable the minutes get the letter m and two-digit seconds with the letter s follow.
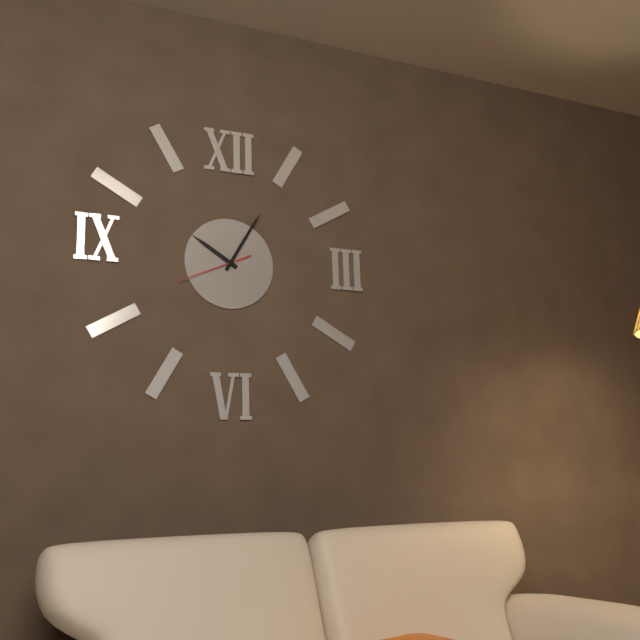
10h05m41s
